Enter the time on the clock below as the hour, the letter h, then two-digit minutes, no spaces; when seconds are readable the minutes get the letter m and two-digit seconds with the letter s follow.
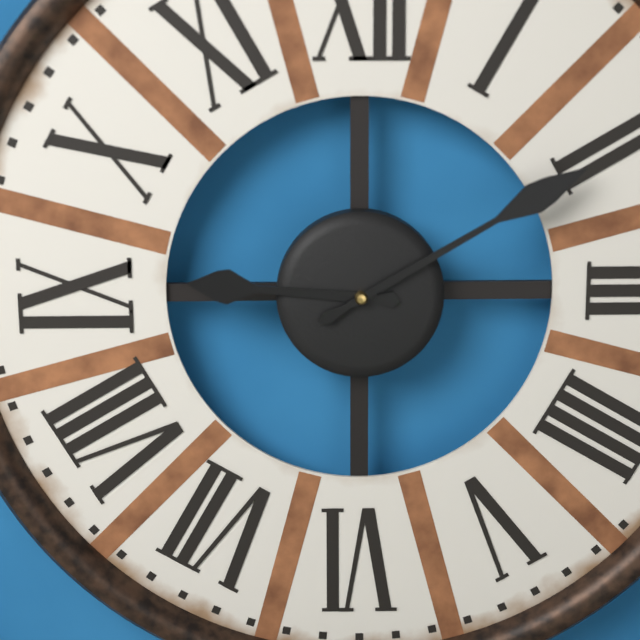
9h10
